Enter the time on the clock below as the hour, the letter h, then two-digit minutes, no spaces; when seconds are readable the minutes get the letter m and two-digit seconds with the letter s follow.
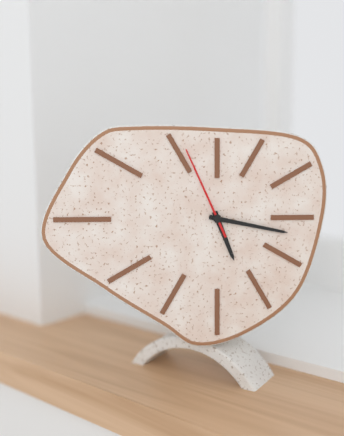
5h17m56s
